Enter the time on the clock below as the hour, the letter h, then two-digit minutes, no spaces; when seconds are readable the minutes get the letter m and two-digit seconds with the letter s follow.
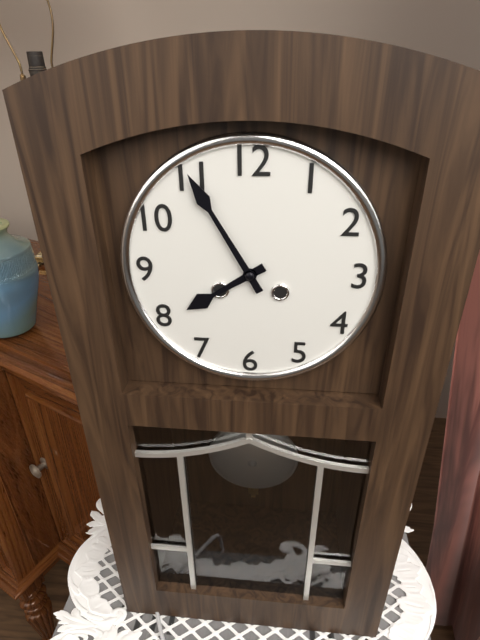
7h55
